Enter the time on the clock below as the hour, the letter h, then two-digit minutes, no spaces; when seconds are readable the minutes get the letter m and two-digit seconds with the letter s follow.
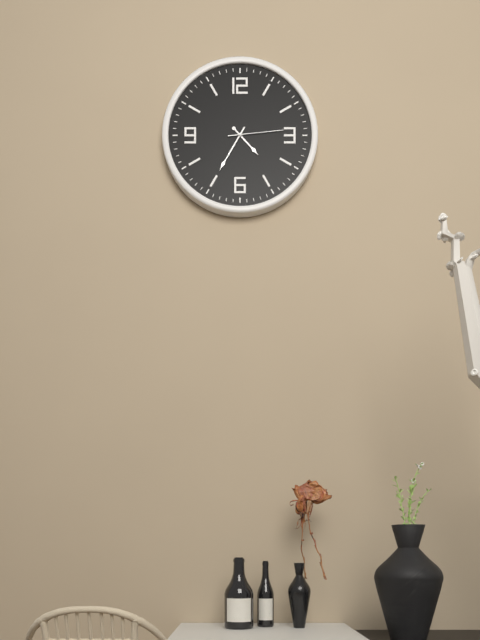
4h35m14s
